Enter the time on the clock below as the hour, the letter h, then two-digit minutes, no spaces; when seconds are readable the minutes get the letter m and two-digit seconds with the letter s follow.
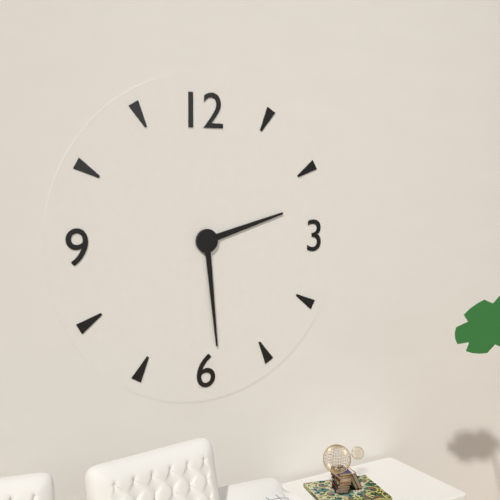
2h29
